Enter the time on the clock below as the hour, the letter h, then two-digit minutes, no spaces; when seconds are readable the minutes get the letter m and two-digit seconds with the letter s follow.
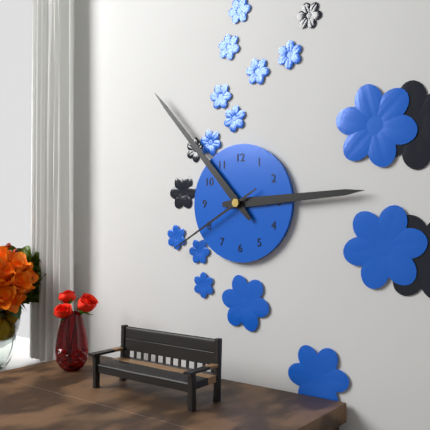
2h53m40s
